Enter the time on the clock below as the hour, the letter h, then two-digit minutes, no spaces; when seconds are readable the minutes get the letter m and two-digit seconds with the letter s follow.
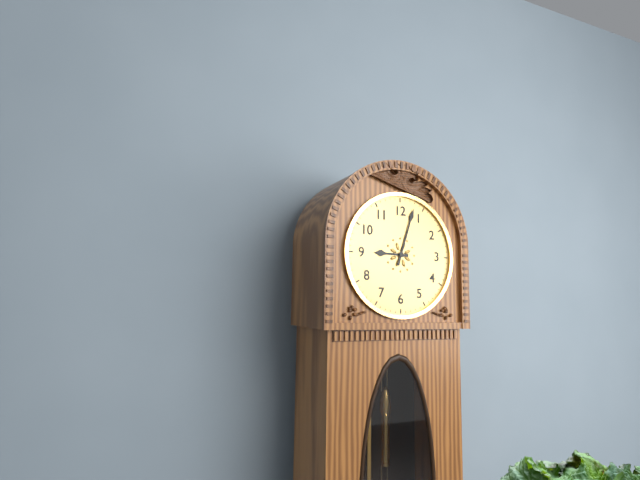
9h03
